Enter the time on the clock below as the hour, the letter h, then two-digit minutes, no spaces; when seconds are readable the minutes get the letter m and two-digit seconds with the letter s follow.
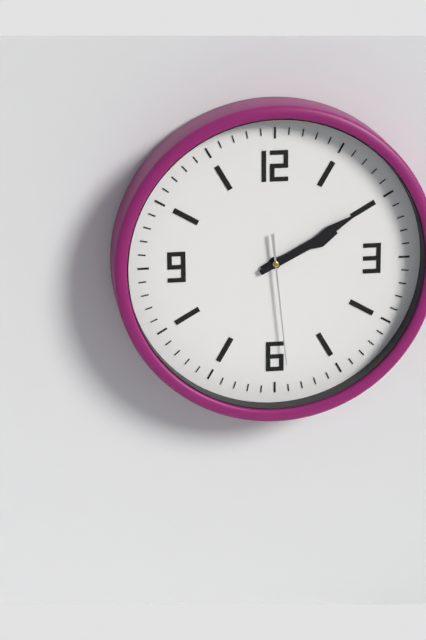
2h10m29s
